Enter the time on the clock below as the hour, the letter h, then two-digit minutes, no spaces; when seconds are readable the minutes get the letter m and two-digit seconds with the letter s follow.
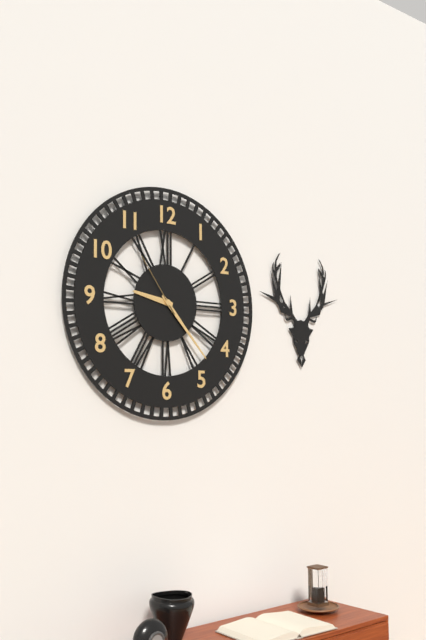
9h23m54s
